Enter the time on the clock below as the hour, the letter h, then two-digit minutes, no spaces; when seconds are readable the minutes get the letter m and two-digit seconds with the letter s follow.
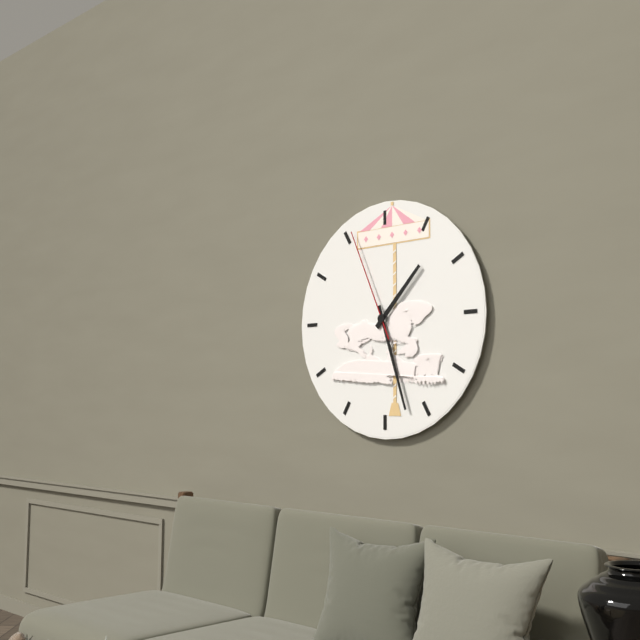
1h27m56s
